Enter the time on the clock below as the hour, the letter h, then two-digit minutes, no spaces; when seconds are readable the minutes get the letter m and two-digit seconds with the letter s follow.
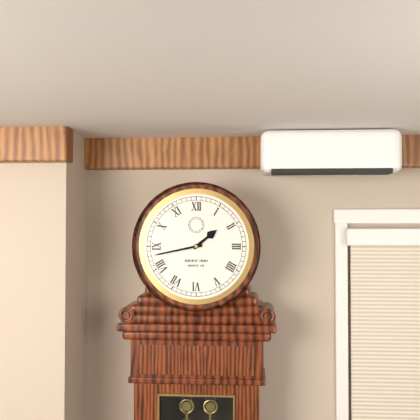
1h43
